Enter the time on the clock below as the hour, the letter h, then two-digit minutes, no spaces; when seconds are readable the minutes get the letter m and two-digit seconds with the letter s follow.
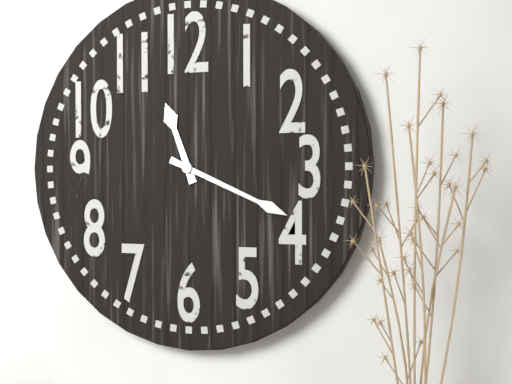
11h19
